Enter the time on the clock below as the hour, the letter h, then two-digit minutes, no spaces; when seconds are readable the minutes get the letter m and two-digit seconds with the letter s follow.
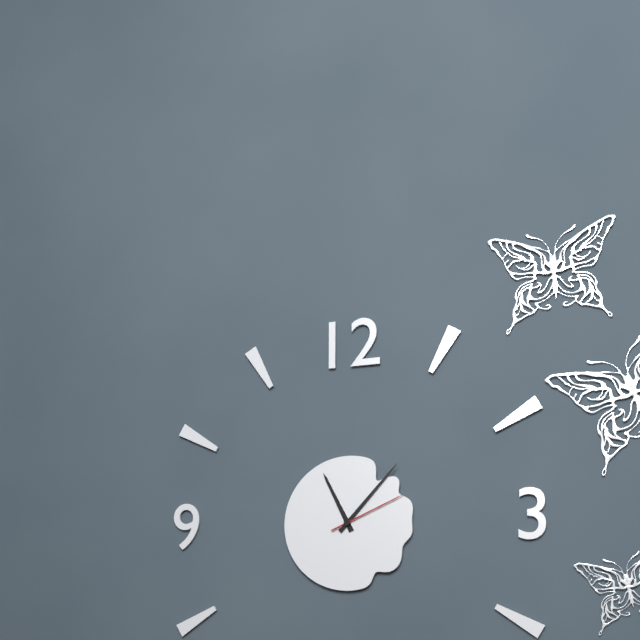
11h07m11s
